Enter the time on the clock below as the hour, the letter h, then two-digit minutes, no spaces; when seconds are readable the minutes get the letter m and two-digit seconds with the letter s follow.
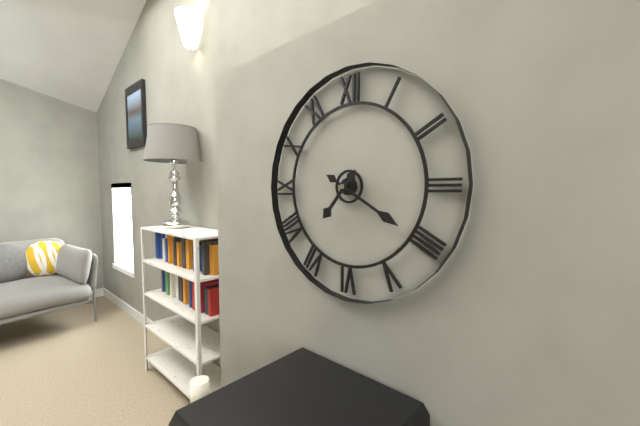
7h20
